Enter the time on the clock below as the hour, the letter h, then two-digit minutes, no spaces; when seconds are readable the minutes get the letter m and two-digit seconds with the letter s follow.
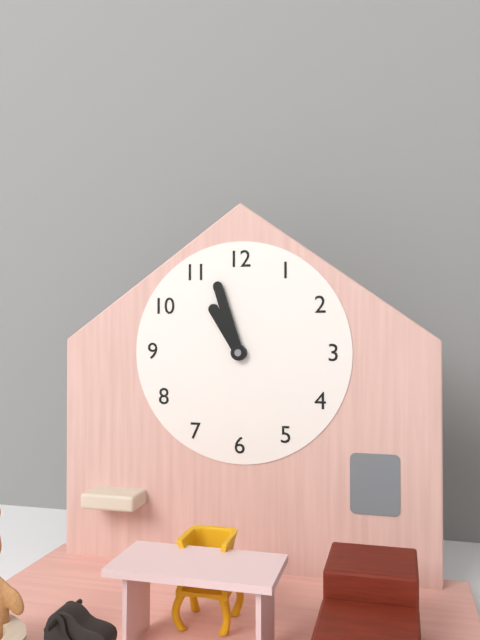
10h57
